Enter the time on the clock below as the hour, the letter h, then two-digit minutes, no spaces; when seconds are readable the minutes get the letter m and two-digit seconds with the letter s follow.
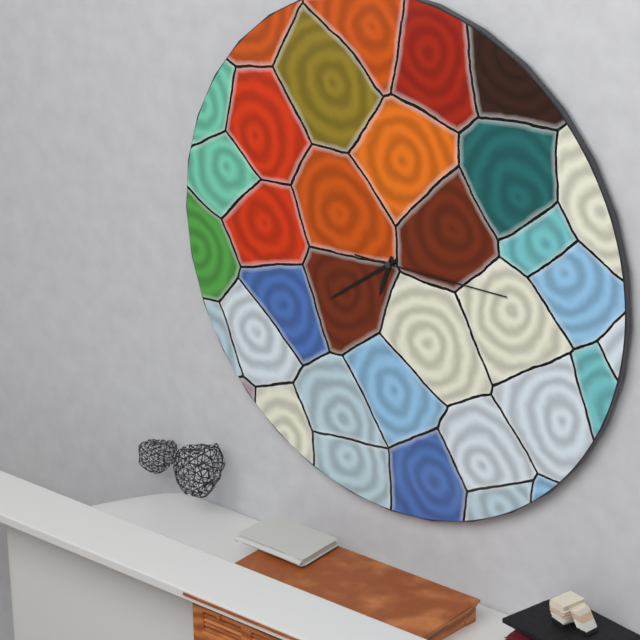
6h39m15s
